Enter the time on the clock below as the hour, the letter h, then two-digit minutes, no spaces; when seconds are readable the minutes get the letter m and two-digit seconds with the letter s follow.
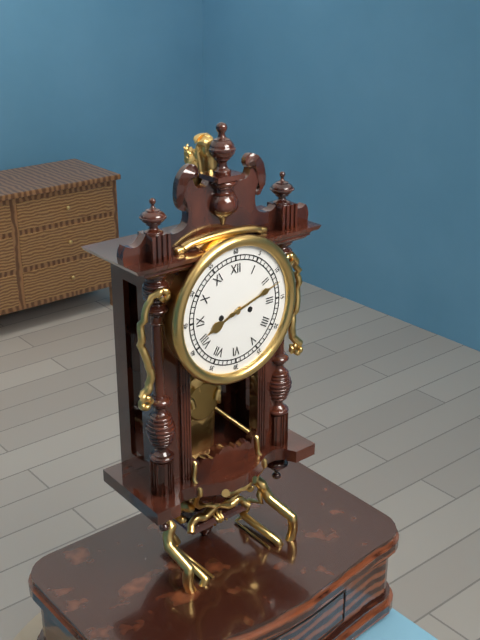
8h12
